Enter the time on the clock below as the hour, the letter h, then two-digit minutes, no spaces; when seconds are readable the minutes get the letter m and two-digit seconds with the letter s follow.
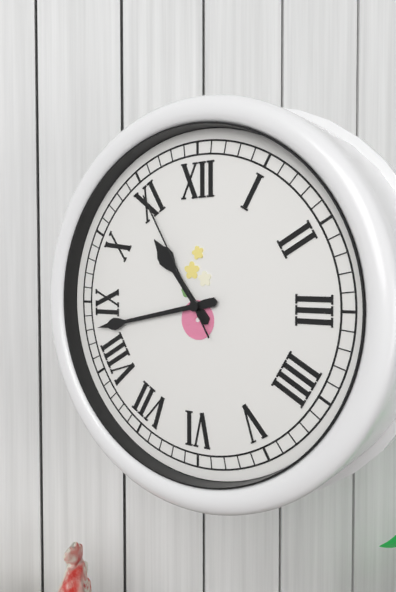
10h43m55s
